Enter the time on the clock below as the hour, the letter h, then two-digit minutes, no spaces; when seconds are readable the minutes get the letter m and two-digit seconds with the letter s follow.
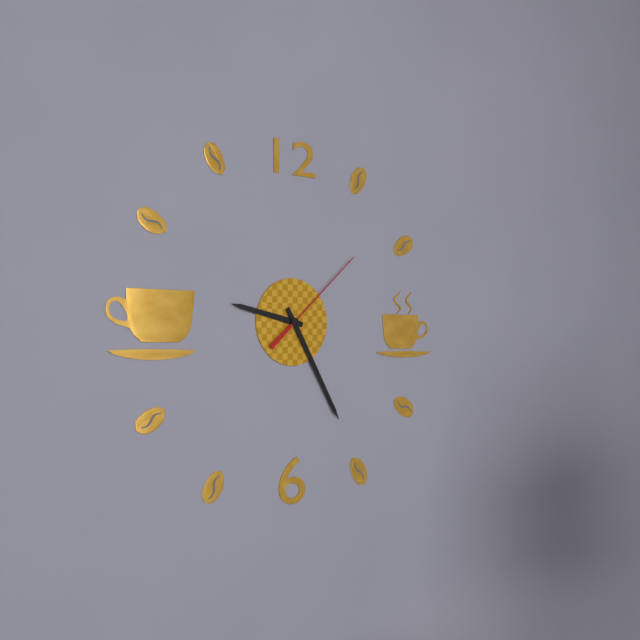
9h25m08s
